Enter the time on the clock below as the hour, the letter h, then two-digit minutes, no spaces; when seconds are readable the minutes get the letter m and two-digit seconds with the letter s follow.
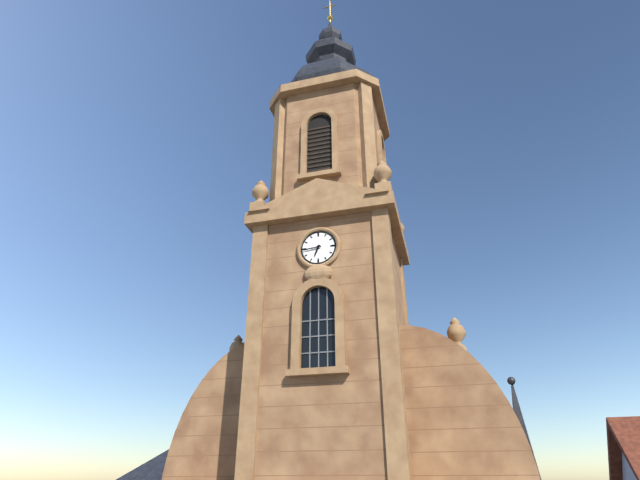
6h44
